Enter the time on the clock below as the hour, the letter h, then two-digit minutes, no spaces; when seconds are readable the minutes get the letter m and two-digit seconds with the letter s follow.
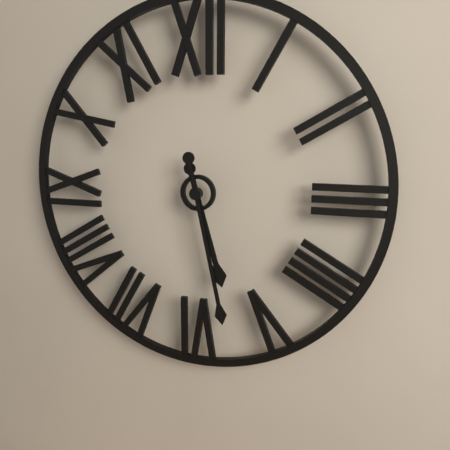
5h28
